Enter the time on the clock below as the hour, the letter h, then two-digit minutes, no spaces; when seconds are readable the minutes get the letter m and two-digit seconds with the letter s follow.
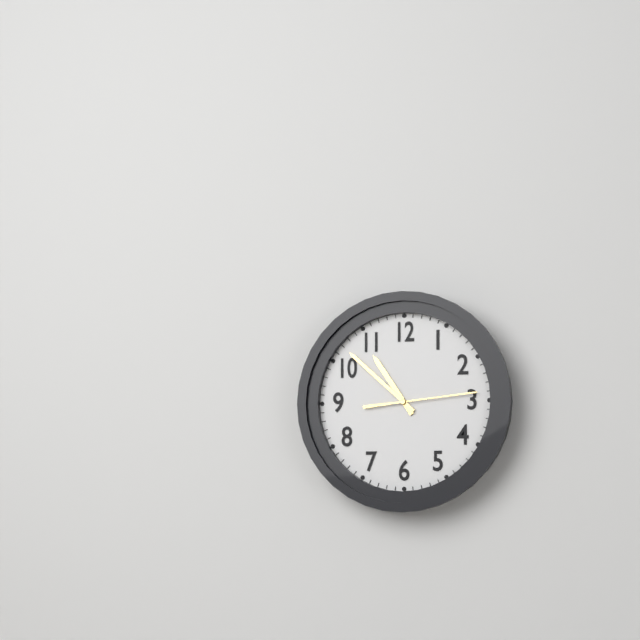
10h52m14s
